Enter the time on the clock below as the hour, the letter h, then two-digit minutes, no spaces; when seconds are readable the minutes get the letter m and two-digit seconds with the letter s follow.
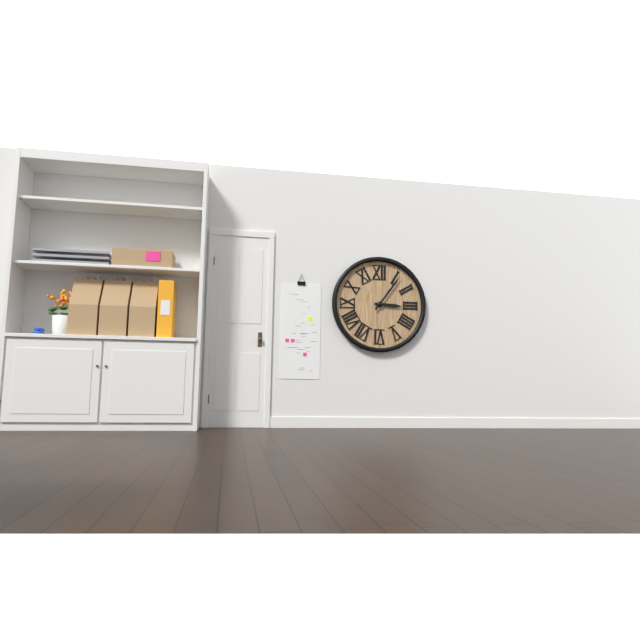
3h06
